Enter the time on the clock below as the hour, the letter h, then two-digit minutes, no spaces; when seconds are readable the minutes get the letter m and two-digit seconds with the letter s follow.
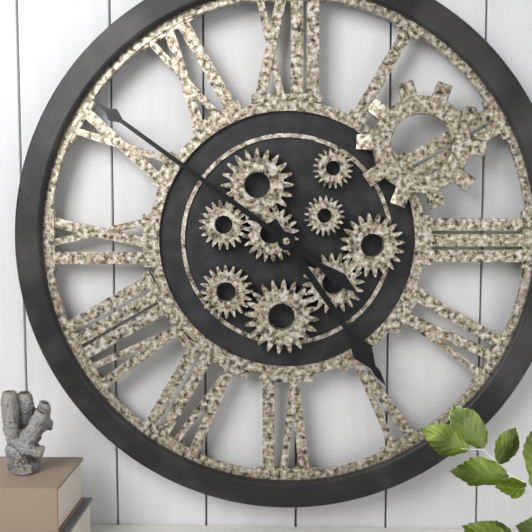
4h51
